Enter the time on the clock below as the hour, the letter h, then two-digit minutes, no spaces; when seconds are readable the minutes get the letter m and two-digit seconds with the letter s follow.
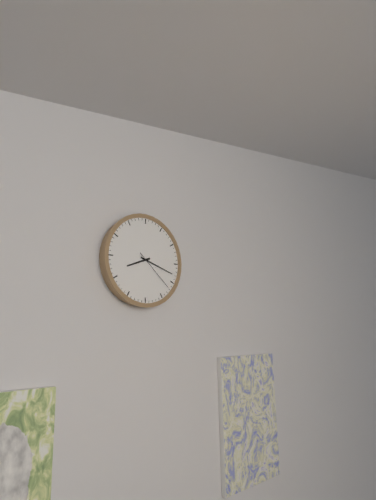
8h18
